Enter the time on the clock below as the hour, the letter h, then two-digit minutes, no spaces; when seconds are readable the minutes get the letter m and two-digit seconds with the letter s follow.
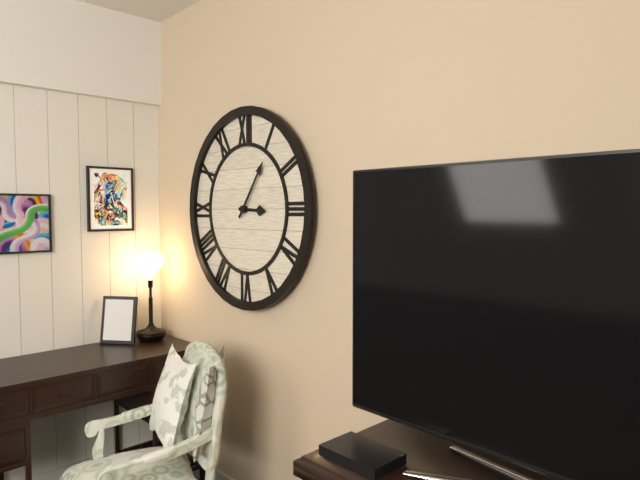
3h06
